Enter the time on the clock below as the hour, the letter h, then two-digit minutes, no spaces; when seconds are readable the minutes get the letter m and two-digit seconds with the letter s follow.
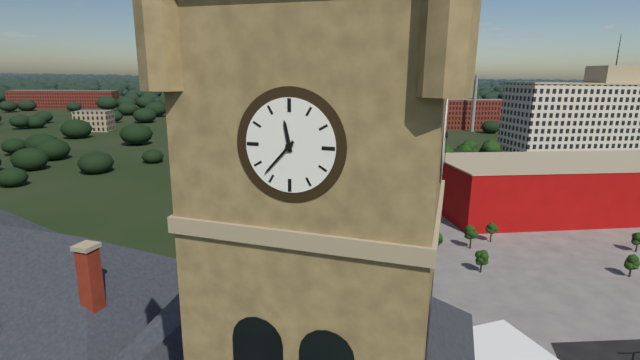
11h37
